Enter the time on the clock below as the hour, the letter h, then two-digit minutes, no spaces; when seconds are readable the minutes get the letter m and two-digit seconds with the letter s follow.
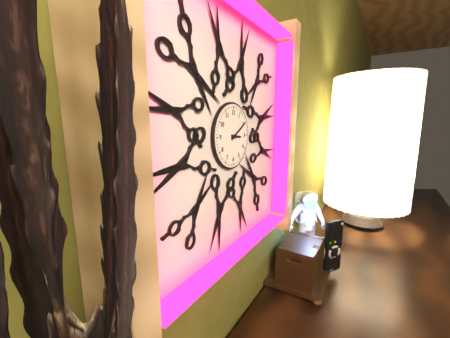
3h10
